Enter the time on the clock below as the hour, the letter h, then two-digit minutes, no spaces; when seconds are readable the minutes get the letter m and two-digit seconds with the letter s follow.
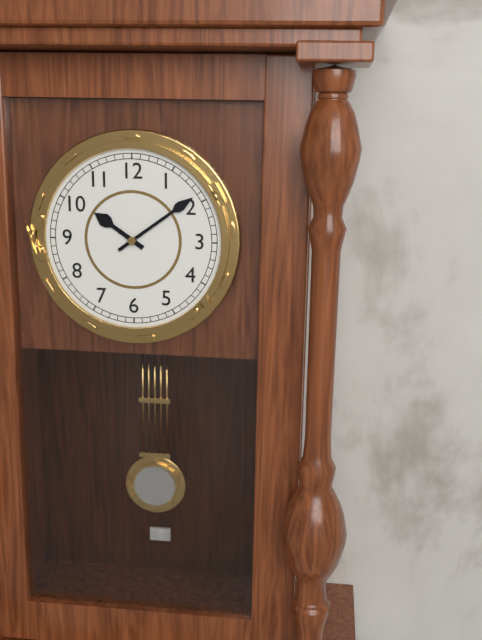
10h09
